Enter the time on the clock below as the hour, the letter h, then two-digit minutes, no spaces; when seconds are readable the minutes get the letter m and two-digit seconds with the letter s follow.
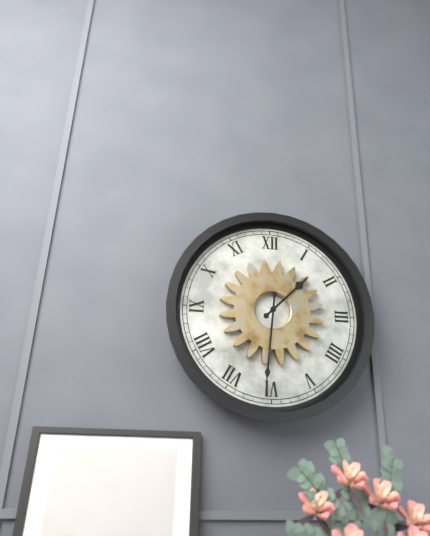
1h31
